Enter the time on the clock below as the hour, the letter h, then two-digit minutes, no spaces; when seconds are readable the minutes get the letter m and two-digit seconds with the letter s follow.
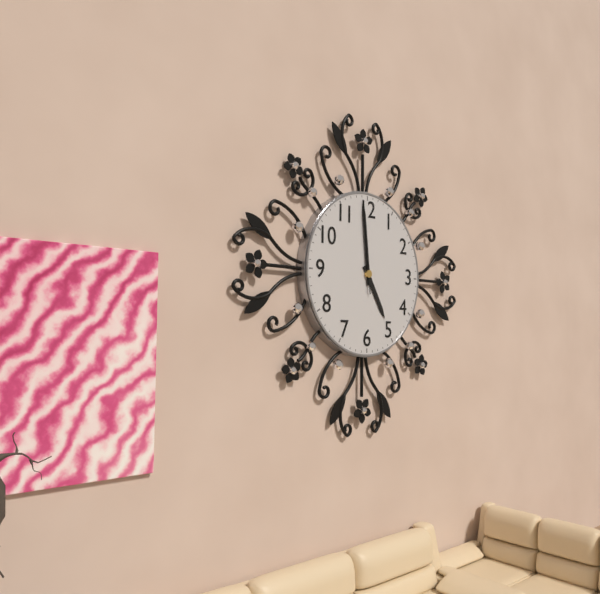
4h59m59s
